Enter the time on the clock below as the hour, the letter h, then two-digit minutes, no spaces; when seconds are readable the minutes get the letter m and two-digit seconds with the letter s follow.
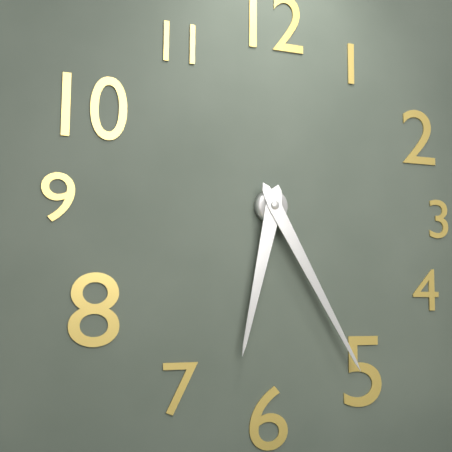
6h25
